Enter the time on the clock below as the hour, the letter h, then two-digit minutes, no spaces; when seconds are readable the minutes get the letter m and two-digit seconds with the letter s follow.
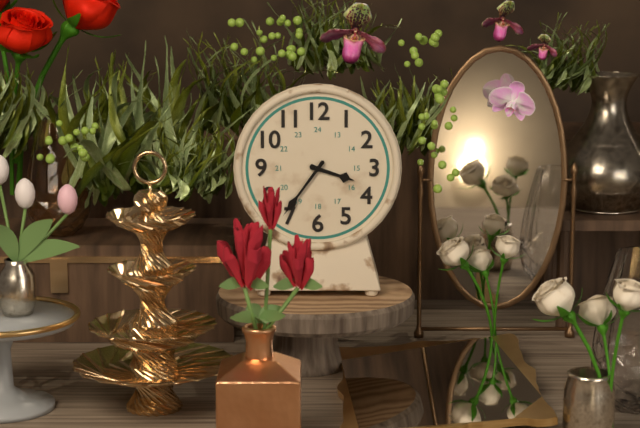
3h36
